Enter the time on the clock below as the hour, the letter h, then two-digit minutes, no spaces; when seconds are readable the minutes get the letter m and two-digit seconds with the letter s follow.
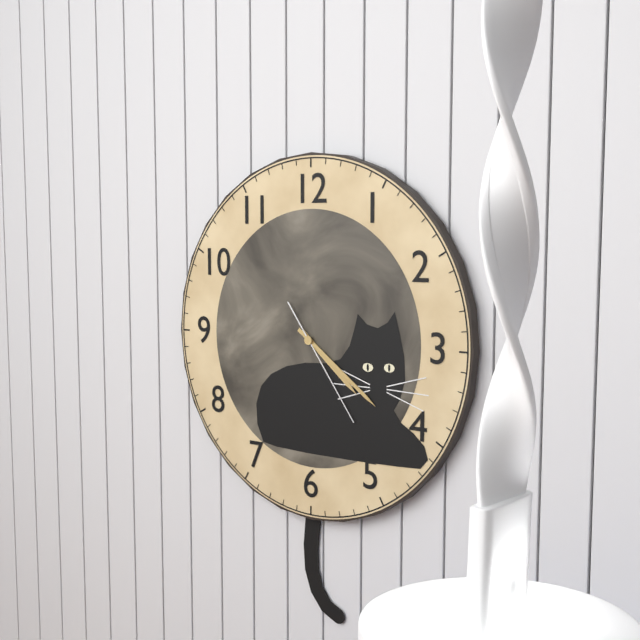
4h21m24s
